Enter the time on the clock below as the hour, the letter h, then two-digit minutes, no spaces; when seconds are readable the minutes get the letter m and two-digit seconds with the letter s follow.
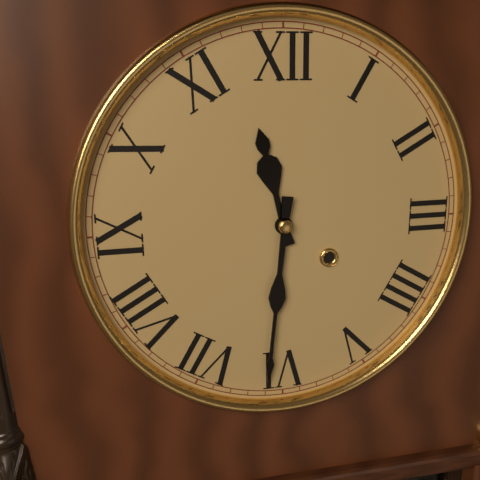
11h31
